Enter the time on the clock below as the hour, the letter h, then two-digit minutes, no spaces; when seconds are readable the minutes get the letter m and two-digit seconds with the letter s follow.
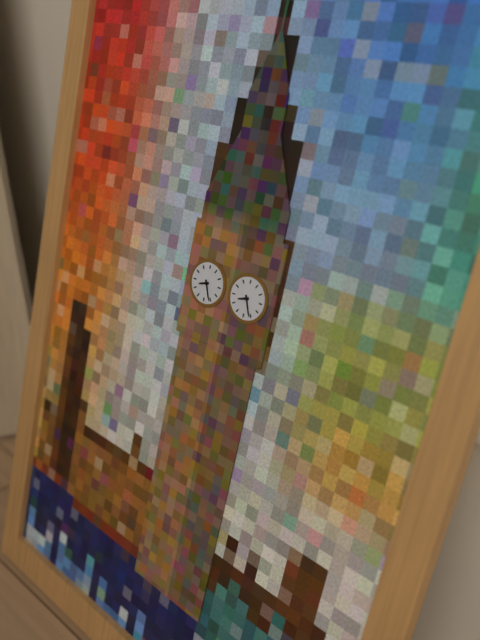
8h26
